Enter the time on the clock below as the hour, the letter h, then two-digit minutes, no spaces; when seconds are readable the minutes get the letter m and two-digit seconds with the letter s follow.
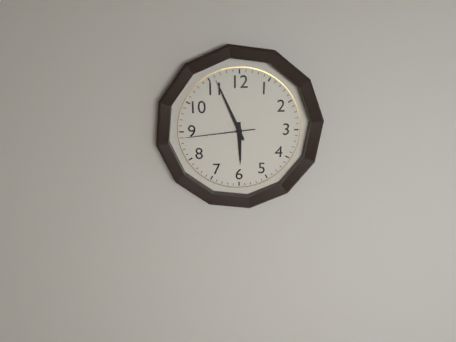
5h56m44s
